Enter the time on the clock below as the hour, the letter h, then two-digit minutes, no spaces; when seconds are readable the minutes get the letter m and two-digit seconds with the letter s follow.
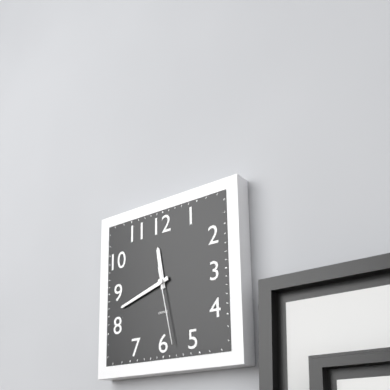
11h42m28s
